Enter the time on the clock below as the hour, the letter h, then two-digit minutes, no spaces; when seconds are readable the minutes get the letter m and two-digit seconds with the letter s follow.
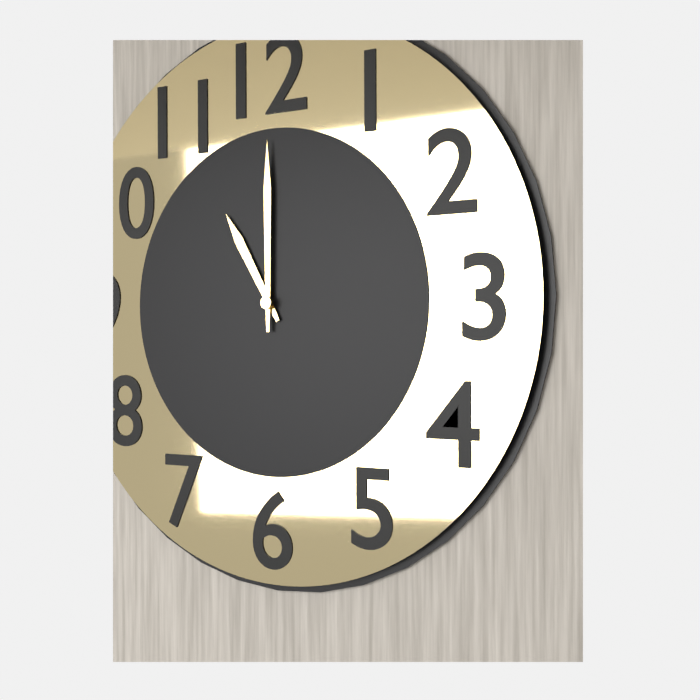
11h00
